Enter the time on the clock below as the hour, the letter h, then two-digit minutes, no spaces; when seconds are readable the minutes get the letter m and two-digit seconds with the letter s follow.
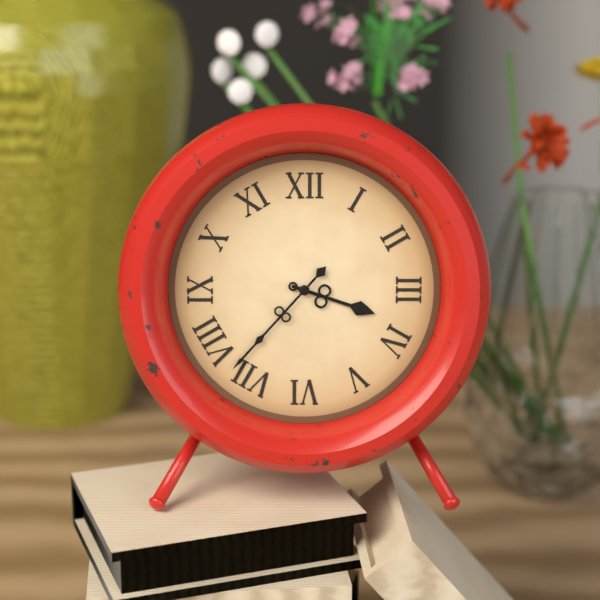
3h37
